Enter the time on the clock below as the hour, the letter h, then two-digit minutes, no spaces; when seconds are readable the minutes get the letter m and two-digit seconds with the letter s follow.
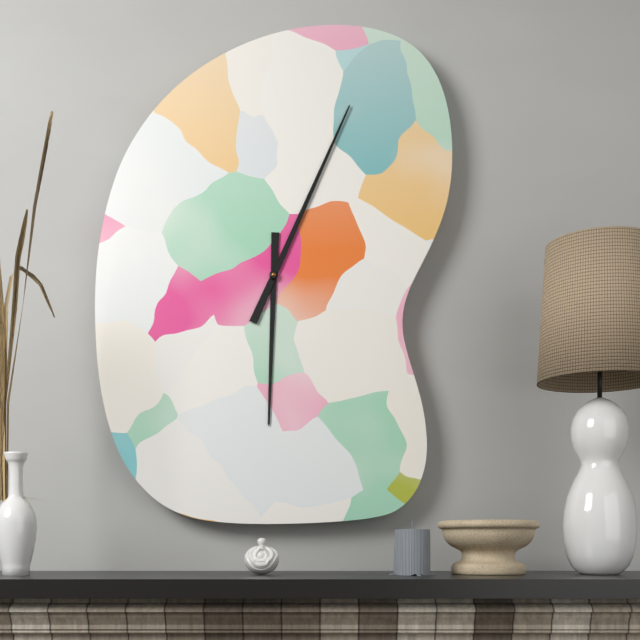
6h04
